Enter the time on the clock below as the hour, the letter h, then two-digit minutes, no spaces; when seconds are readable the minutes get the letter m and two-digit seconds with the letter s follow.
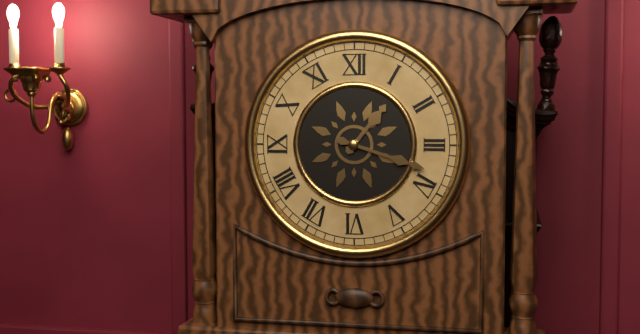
1h18
